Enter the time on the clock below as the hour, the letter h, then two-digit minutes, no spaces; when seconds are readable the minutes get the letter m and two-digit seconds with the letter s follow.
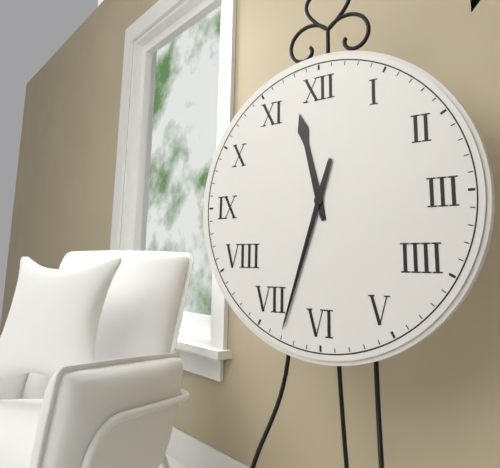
11h33
